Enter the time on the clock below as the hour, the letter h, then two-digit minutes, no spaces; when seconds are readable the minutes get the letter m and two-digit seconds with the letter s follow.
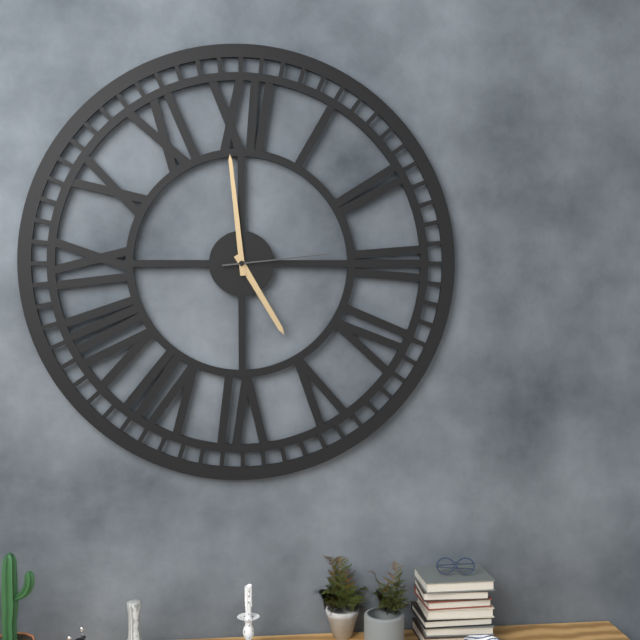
4h59m14s
